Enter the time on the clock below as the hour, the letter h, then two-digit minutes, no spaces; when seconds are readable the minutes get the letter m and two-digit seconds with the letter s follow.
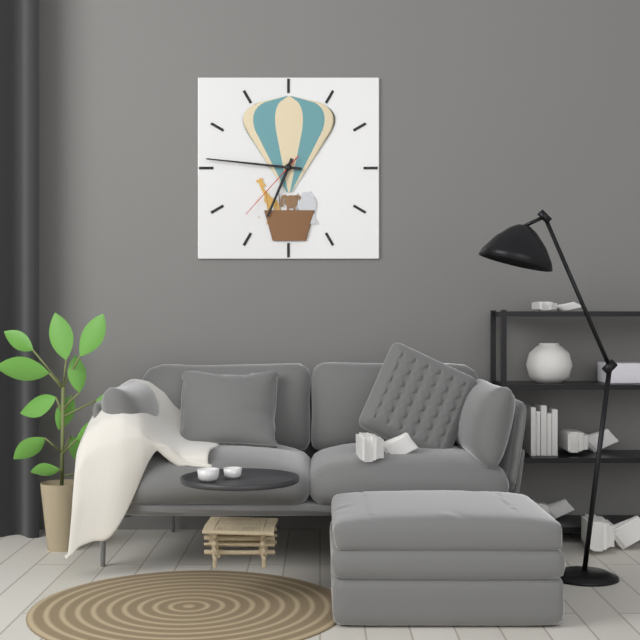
6h46m37s
